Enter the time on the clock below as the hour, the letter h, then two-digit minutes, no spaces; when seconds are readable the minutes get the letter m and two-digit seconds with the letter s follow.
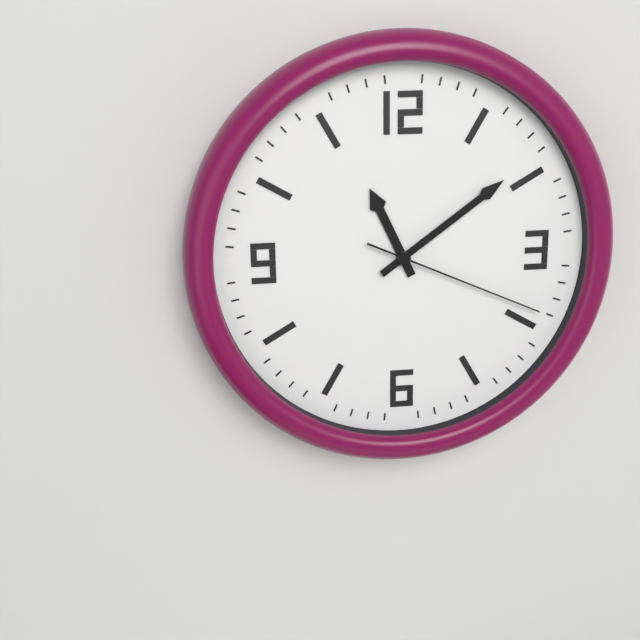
11h09m19s
